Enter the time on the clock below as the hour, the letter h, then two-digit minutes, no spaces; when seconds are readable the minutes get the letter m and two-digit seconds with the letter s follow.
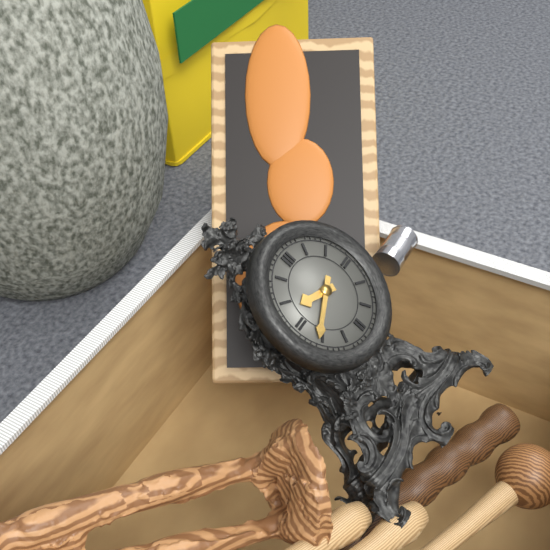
9h41
